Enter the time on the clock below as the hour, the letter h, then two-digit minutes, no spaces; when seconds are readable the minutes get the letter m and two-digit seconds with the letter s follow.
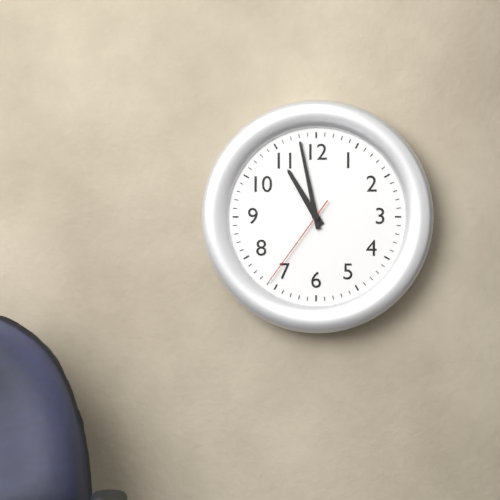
10h58m36s
